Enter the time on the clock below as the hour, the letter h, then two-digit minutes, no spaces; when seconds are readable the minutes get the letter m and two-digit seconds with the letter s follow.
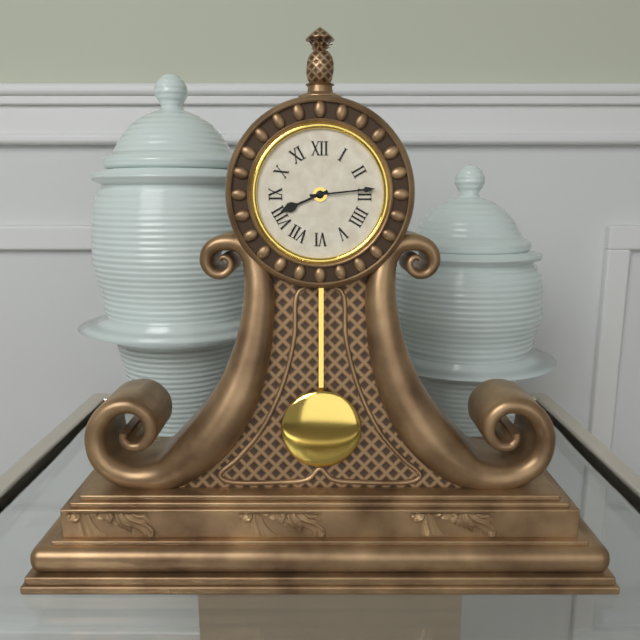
8h14
